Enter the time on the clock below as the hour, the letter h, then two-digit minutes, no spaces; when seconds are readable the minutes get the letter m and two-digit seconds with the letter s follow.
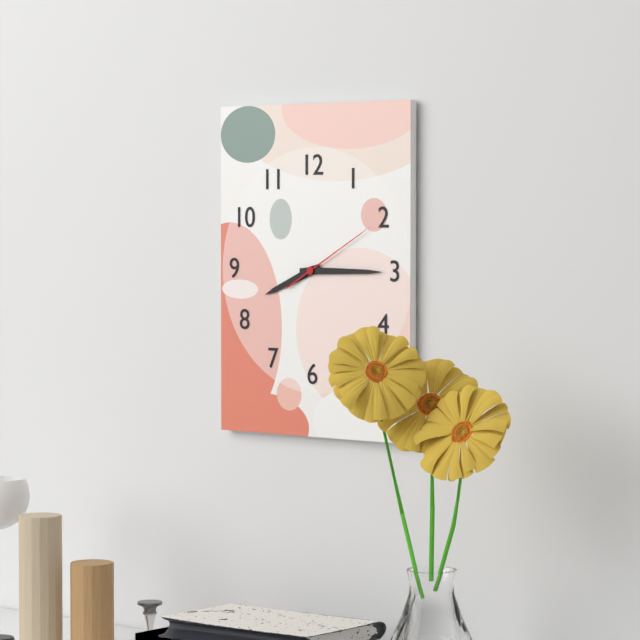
8h15m10s
